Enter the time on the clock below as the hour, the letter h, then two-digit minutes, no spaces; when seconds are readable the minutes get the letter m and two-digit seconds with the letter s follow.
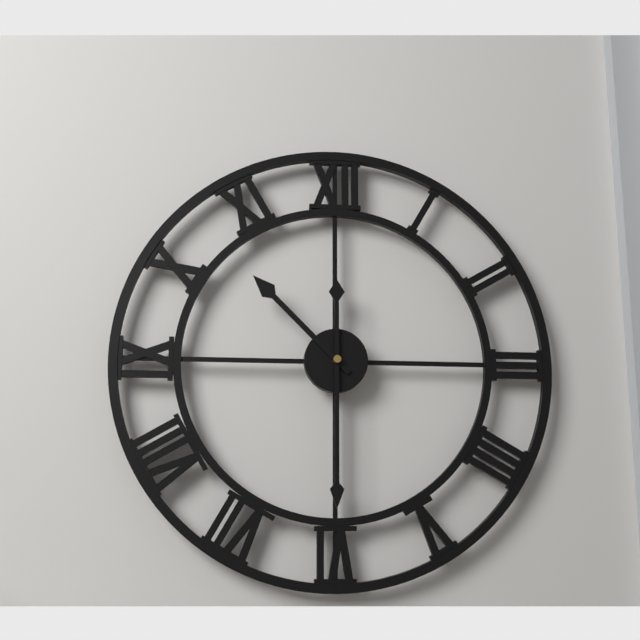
10h30
